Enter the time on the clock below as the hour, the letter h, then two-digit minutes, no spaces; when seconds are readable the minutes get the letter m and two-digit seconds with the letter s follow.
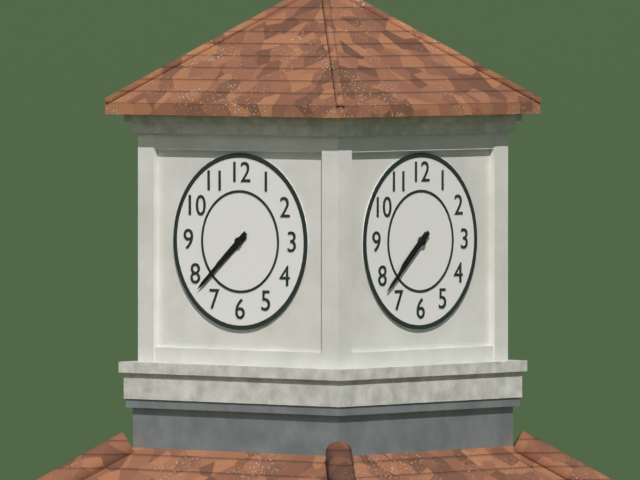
7h38
